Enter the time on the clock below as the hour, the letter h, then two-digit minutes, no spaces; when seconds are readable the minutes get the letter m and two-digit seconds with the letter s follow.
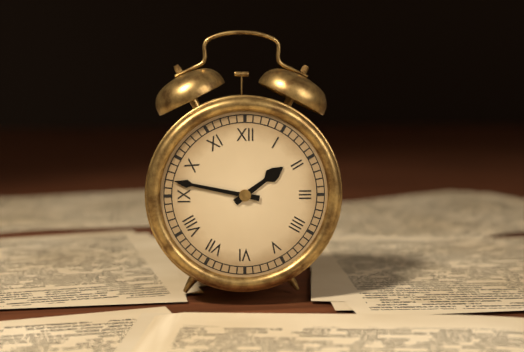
1h47
